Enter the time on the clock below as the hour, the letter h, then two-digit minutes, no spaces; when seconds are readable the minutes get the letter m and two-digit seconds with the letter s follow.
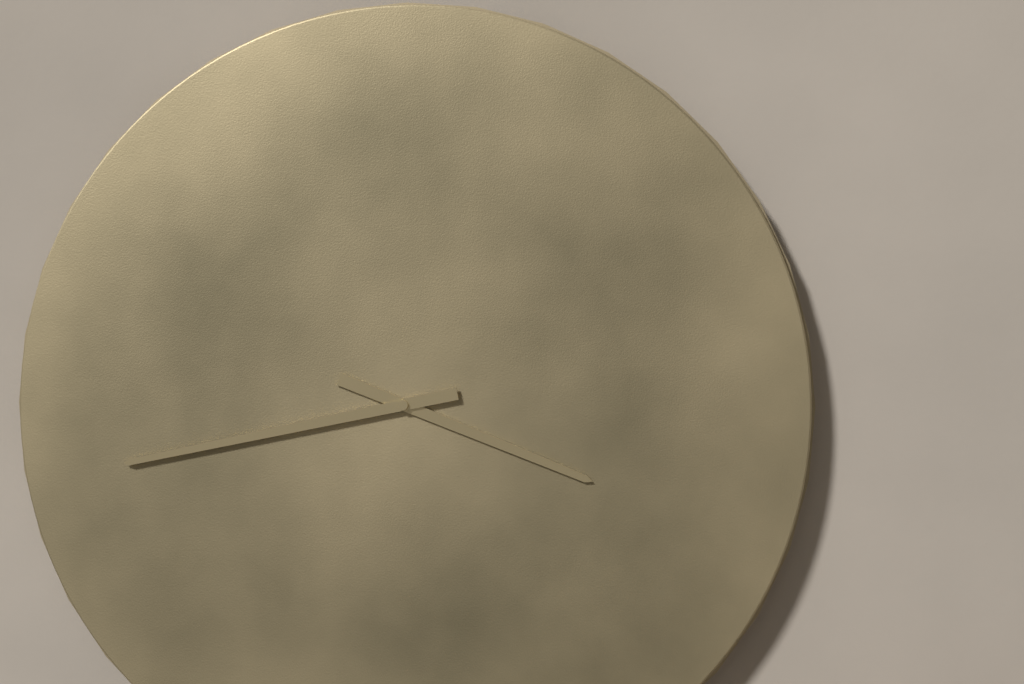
3h43
